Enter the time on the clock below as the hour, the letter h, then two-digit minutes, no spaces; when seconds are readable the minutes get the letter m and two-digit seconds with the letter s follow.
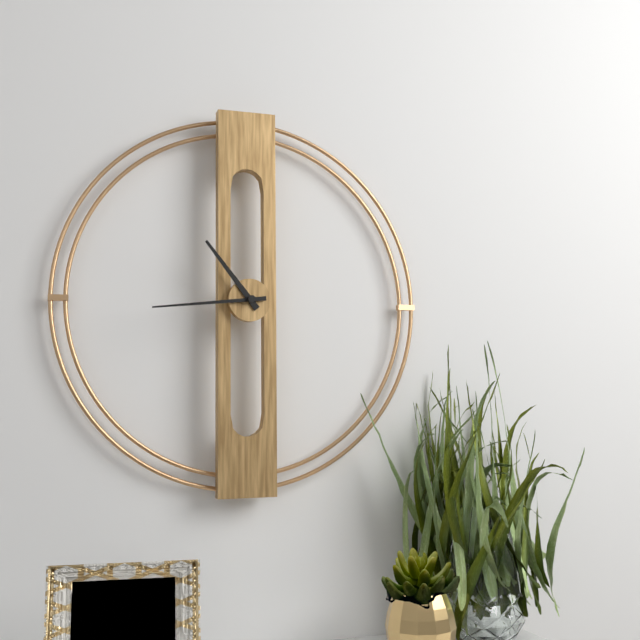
10h44
